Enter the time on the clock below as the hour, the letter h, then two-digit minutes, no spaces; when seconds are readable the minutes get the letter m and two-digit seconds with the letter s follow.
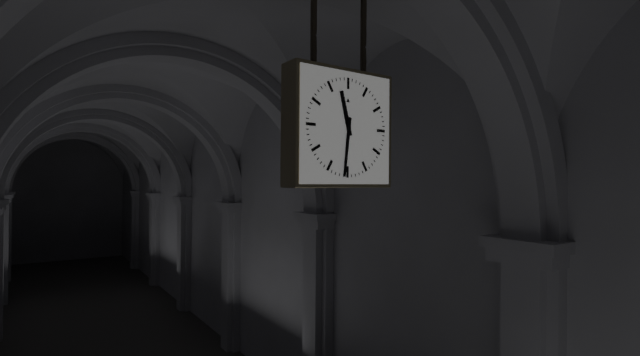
11h31
